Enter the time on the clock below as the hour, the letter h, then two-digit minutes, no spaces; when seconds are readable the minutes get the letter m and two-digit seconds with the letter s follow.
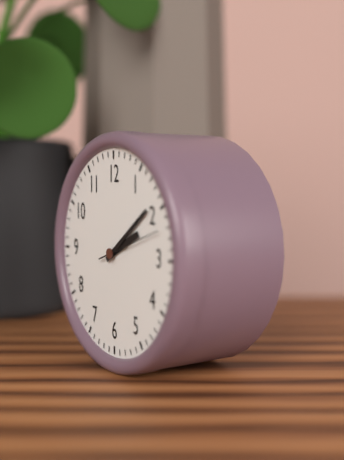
2h09m12s
